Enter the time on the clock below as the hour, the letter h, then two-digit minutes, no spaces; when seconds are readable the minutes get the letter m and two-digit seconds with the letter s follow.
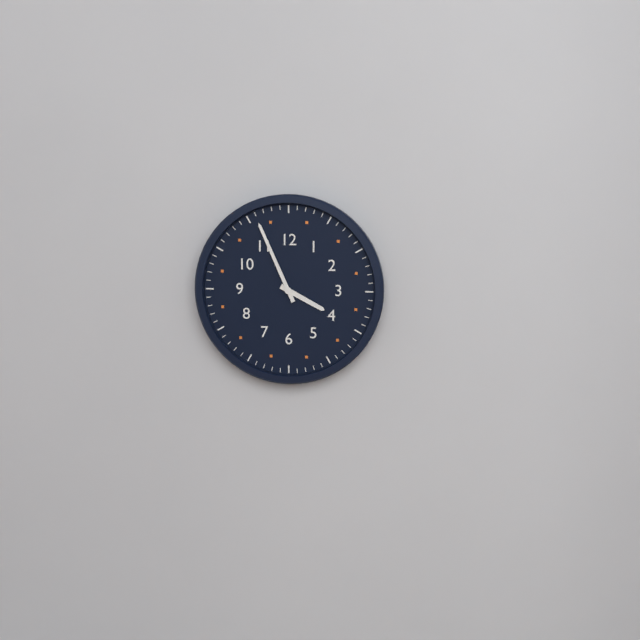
3h56
